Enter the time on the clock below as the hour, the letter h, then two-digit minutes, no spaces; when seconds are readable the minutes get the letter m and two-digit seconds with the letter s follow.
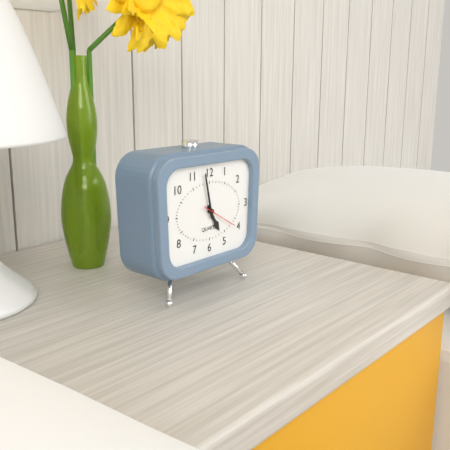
4h58
